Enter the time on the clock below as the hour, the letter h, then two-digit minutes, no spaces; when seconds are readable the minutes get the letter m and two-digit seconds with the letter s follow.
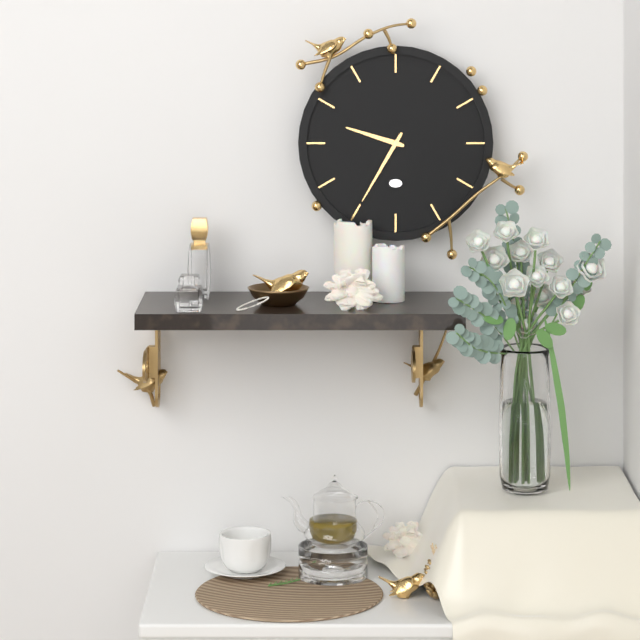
9h35
